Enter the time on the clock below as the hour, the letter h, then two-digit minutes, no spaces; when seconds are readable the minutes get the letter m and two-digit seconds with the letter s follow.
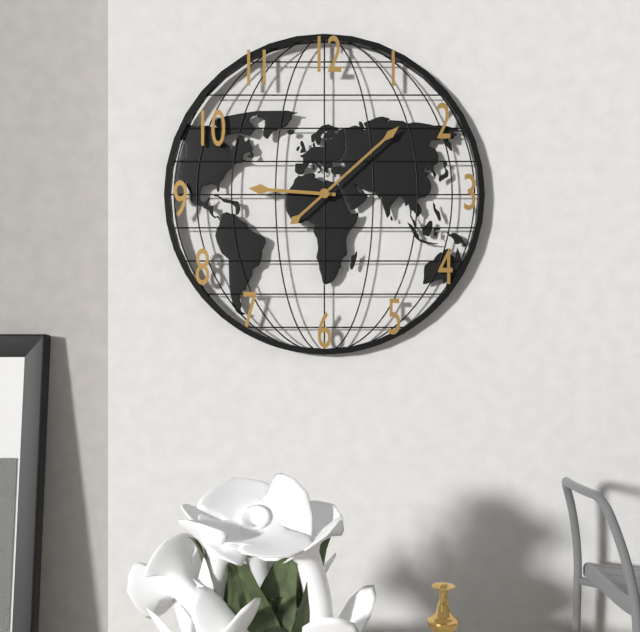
9h08
